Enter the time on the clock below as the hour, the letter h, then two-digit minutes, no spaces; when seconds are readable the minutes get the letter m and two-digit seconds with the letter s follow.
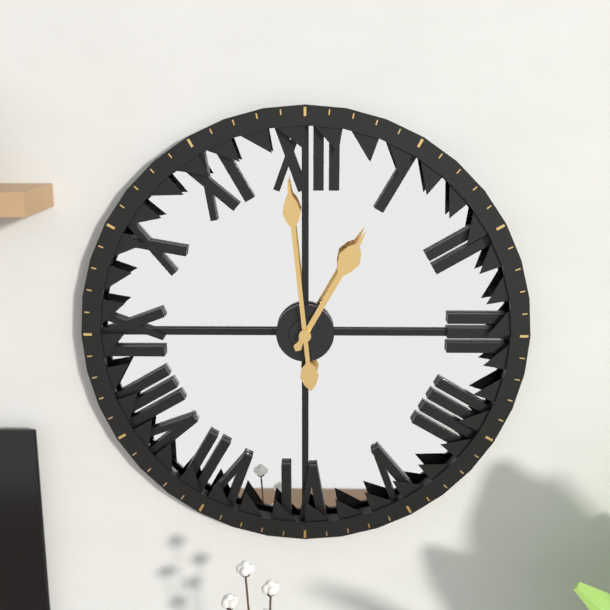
12h59
